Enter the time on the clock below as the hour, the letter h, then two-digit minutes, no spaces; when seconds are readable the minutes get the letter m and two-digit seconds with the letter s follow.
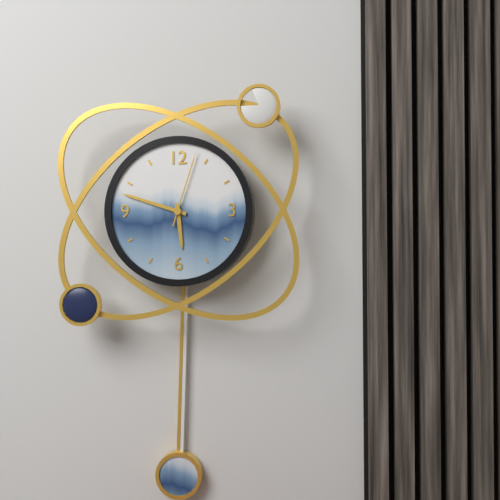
5h48m03s
